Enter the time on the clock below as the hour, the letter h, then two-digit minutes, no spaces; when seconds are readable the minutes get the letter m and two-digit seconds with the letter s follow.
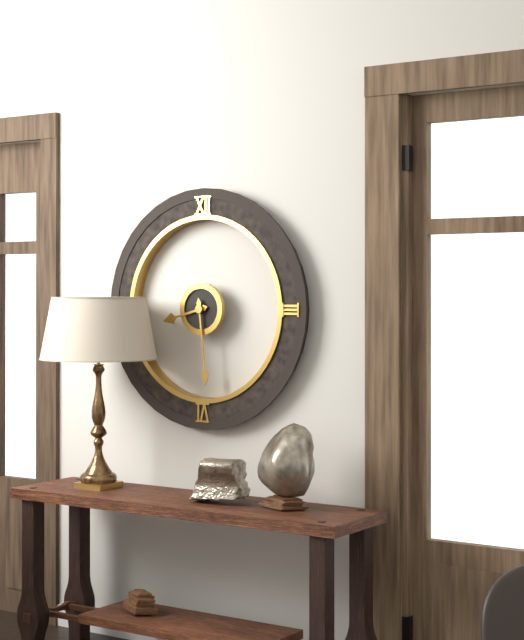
8h29
